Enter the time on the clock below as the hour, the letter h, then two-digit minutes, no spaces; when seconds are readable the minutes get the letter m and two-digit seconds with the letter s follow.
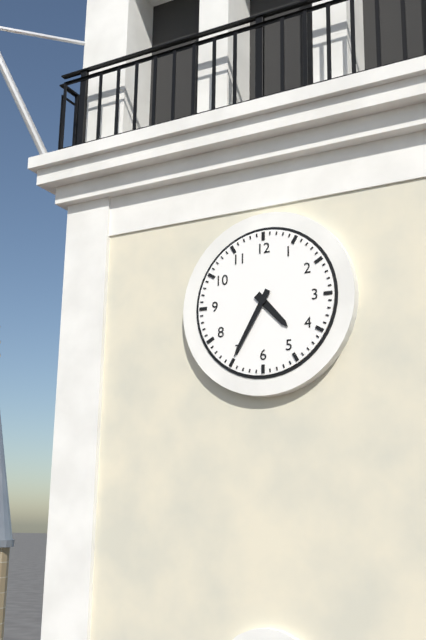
4h35
